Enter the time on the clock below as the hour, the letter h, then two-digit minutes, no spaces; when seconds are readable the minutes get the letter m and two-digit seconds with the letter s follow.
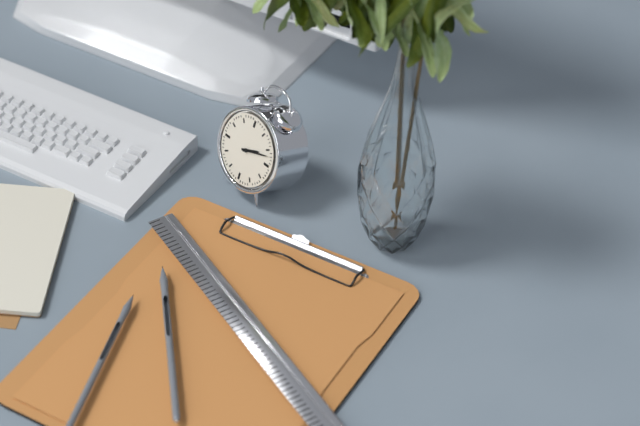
2h12
